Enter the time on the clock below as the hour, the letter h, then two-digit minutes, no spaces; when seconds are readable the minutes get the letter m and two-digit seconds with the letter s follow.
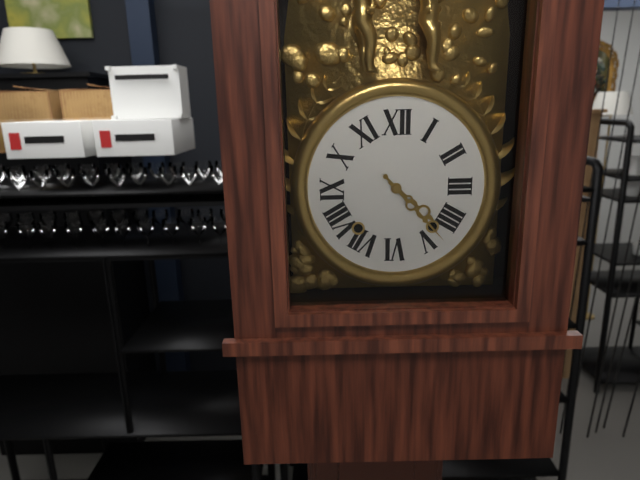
4h23
